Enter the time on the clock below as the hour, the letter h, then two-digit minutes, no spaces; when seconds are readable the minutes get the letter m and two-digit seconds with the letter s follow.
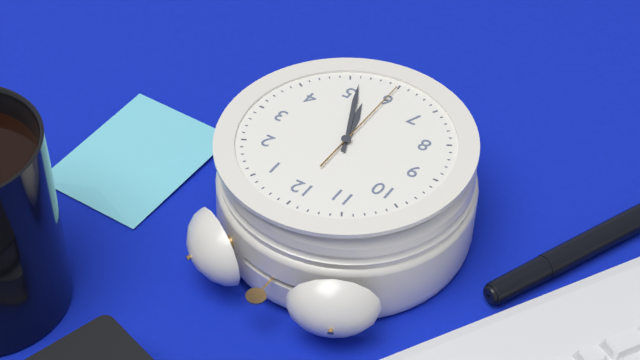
5h26m30s
